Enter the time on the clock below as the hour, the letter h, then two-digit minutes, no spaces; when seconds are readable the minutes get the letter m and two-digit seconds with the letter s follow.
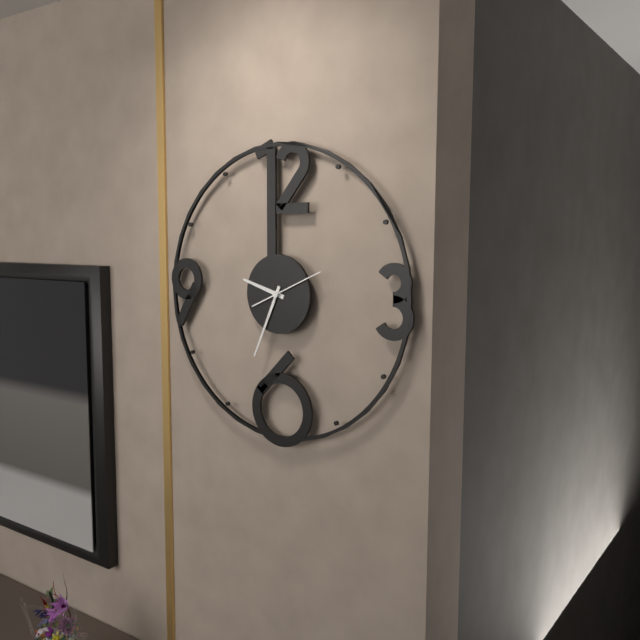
9h34m11s
